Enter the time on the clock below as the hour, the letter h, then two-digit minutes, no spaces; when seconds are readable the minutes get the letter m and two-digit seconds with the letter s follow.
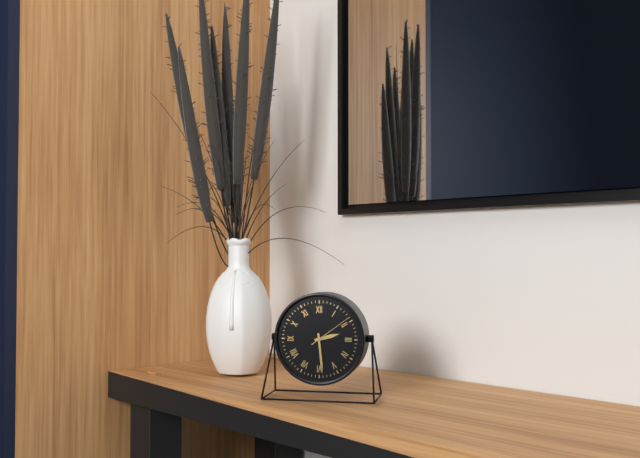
2h29
